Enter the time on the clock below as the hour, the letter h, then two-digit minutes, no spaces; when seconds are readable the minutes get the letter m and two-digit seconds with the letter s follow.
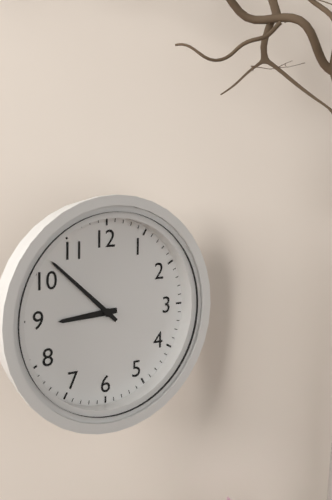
8h52
